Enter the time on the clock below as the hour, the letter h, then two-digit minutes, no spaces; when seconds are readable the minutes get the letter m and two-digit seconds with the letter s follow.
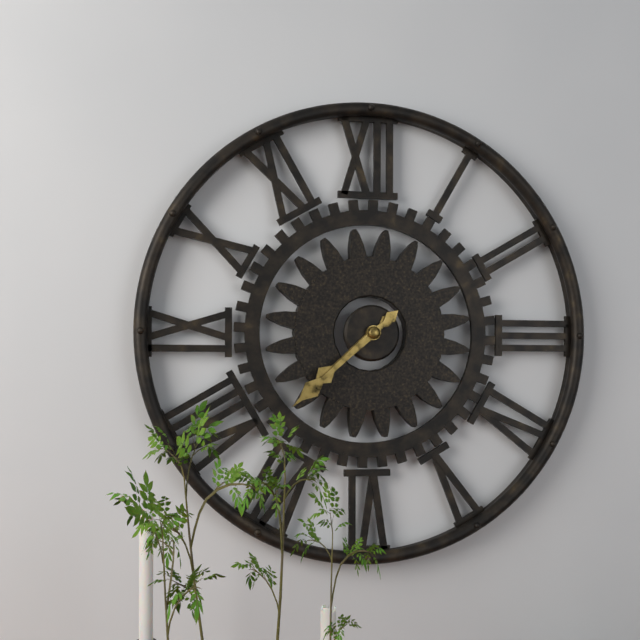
7h38
